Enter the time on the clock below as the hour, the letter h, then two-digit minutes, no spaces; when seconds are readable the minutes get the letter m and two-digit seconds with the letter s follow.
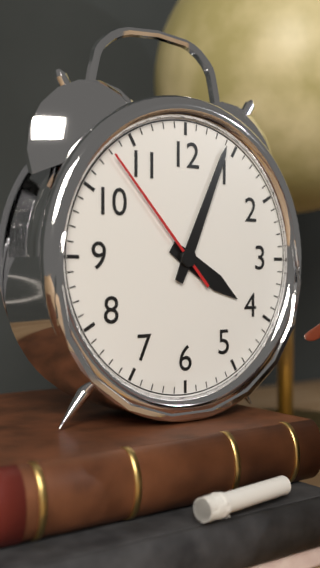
4h04m53s
